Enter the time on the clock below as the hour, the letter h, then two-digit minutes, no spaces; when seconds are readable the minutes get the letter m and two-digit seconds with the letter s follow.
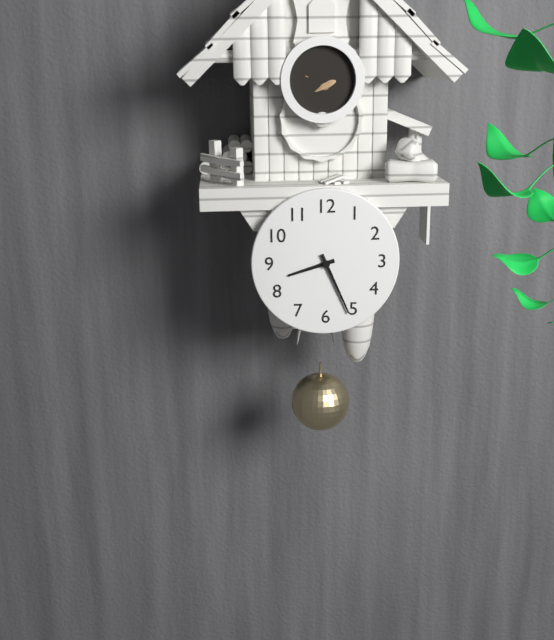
8h26
